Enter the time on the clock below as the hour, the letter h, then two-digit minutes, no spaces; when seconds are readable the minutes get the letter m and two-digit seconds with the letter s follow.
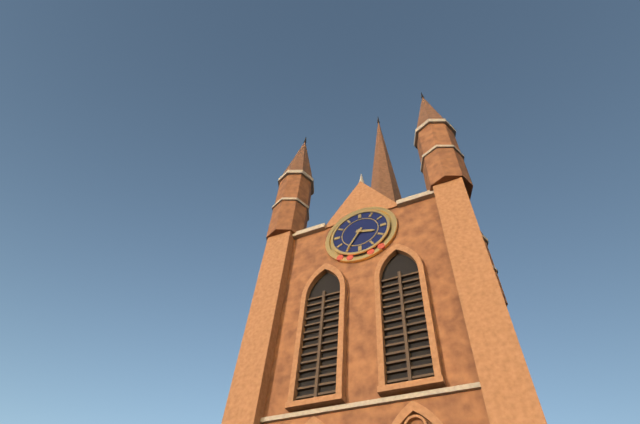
3h35
